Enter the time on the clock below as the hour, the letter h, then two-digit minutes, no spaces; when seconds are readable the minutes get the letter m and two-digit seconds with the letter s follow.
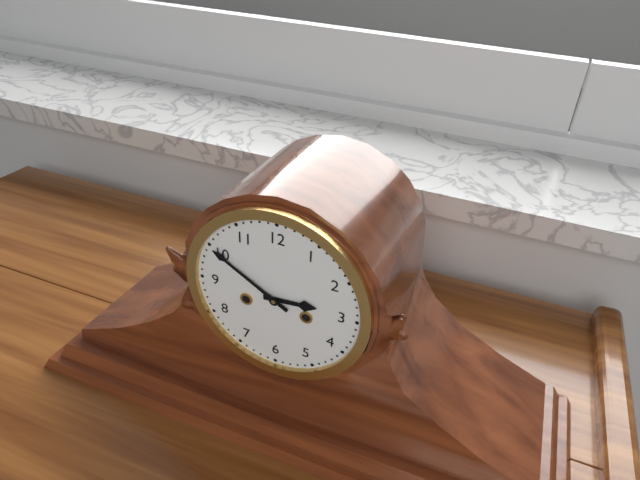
2h50
